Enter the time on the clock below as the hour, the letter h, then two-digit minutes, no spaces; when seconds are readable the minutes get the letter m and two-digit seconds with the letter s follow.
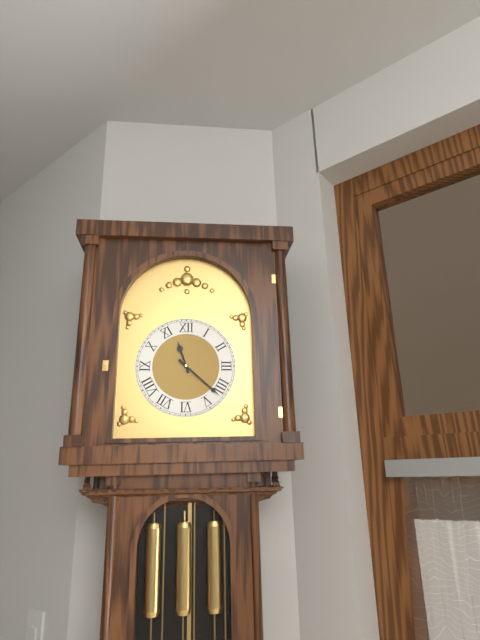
11h22
